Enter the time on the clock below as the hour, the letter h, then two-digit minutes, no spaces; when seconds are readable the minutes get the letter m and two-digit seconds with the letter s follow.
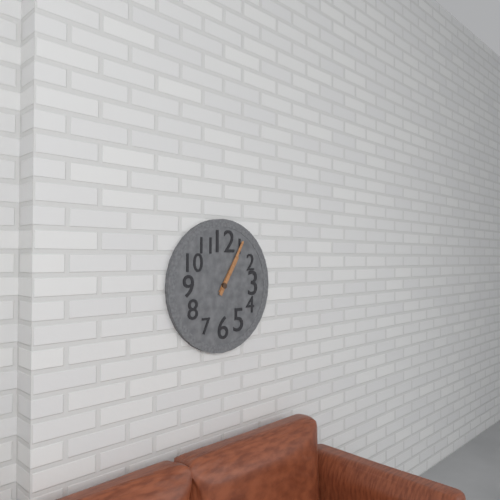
1h05
